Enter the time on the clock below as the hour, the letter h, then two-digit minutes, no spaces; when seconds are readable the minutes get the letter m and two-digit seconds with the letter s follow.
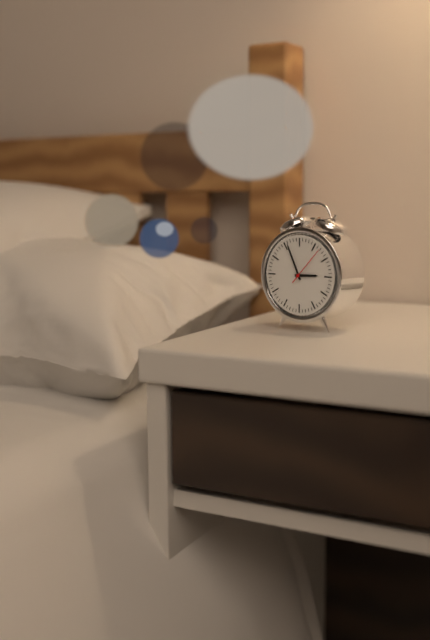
2h56
